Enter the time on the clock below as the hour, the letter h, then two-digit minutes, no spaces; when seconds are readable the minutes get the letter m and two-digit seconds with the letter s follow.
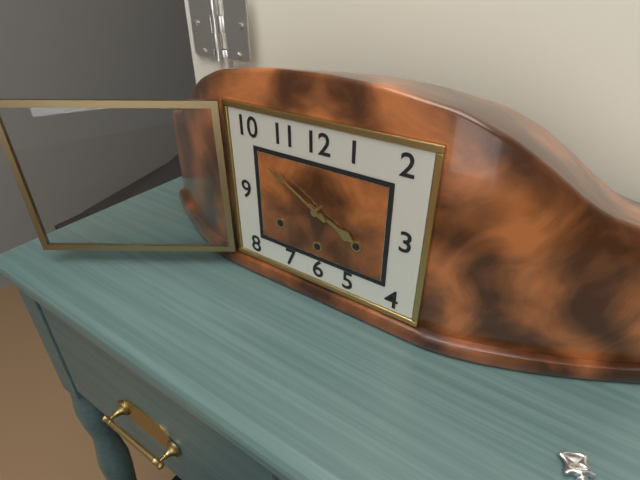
3h50
